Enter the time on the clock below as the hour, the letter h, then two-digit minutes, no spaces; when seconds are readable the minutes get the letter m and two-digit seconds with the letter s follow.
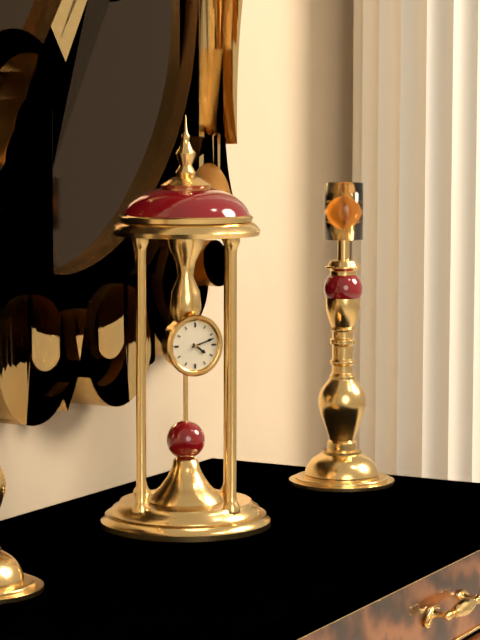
4h12
